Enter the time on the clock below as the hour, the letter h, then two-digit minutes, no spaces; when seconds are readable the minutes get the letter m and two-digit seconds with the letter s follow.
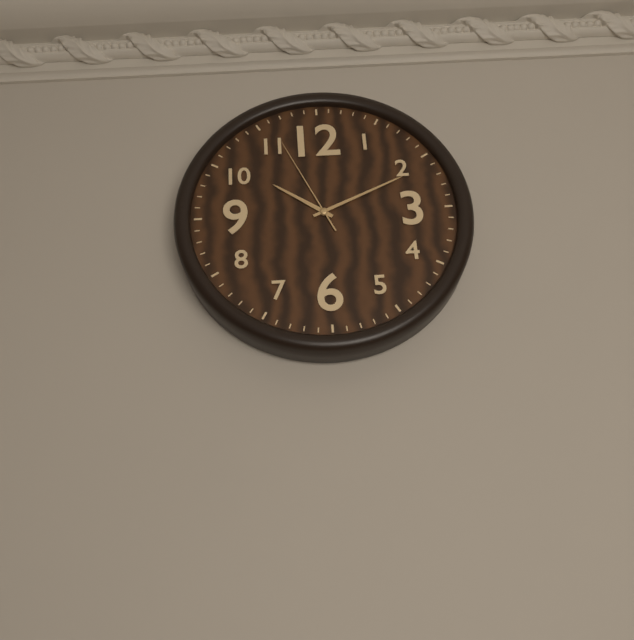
10h11m56s
